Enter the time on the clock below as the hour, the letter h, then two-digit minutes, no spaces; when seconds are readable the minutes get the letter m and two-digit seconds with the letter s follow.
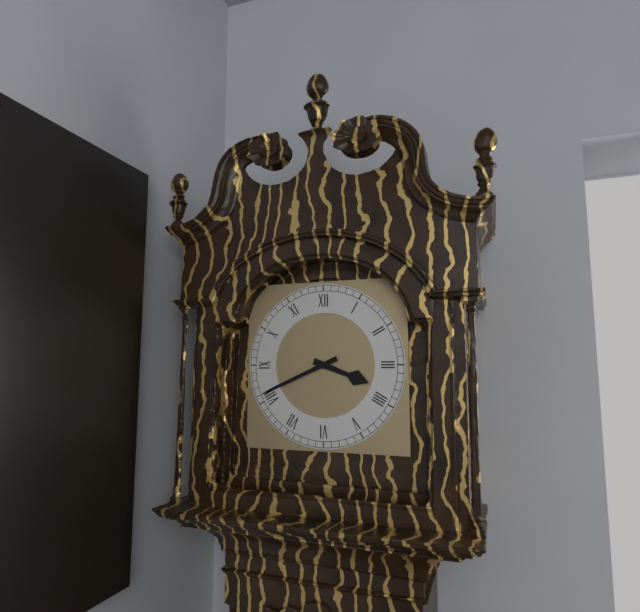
3h41
